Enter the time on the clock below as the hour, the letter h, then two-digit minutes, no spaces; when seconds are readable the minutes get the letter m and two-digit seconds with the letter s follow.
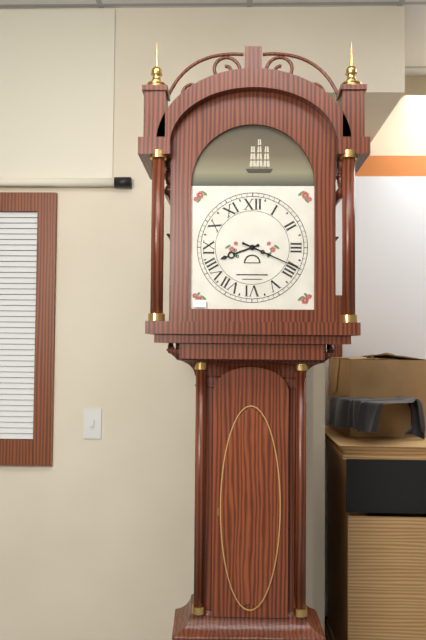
8h19
